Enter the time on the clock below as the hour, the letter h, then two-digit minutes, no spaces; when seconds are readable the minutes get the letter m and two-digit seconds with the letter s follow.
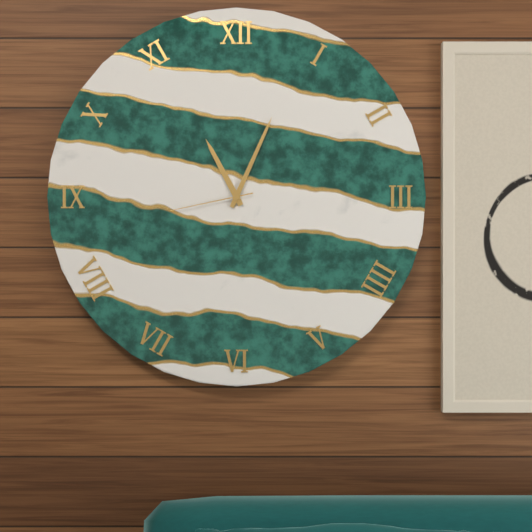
11h04m43s
